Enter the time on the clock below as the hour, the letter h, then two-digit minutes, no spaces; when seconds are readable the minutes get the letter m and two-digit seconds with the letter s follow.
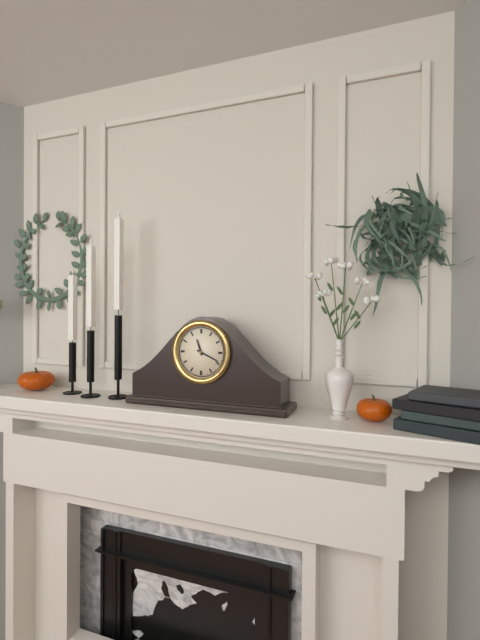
11h19
